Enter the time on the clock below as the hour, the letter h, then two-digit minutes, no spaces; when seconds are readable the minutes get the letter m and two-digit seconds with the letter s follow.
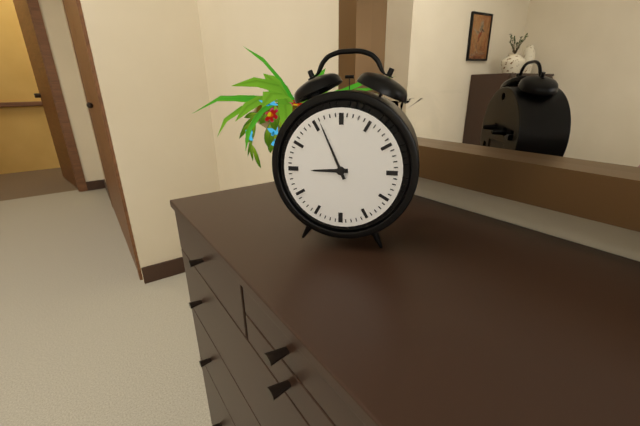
8h56
